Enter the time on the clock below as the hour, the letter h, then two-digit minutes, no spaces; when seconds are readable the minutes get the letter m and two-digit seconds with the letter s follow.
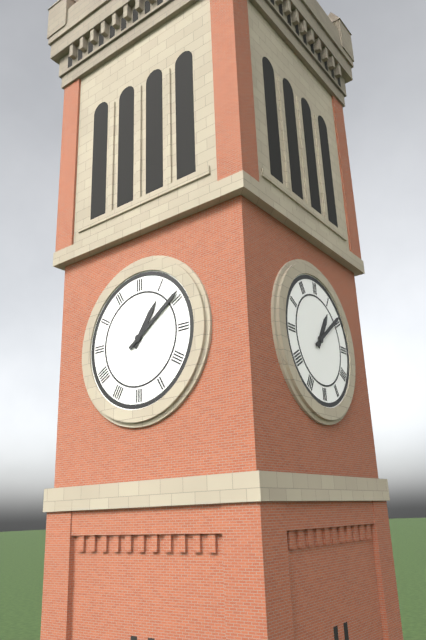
1h09
